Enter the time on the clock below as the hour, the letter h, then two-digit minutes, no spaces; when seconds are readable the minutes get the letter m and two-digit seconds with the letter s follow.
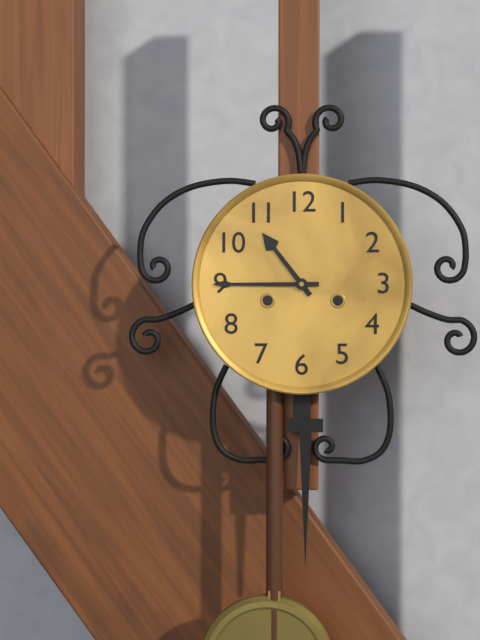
10h45
